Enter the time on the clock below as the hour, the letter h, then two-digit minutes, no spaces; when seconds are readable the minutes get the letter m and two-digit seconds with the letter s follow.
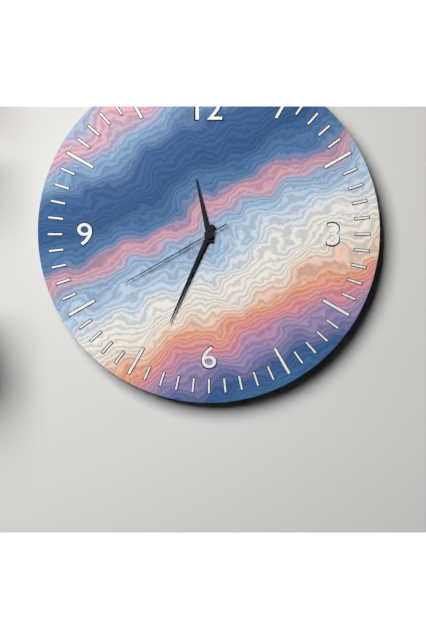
11h34m40s
